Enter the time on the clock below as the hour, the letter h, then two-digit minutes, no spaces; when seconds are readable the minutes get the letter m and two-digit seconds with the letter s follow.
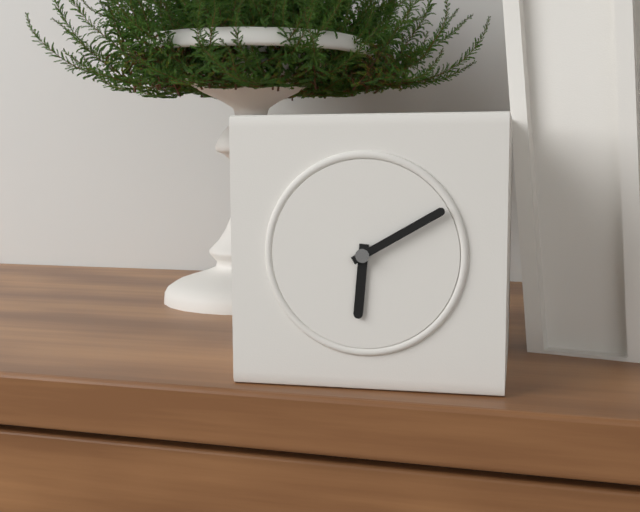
6h10
